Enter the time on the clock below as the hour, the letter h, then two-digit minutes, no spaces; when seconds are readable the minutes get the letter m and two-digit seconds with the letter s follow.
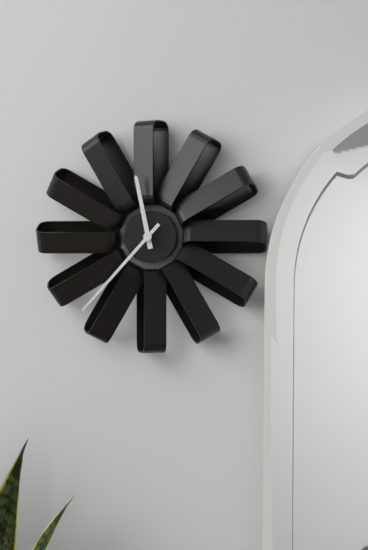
11h37
